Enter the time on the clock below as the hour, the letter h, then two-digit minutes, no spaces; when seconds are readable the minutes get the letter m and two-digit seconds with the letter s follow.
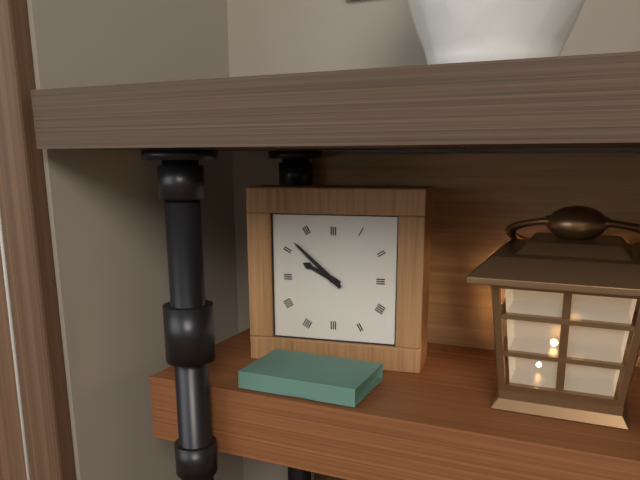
9h52
